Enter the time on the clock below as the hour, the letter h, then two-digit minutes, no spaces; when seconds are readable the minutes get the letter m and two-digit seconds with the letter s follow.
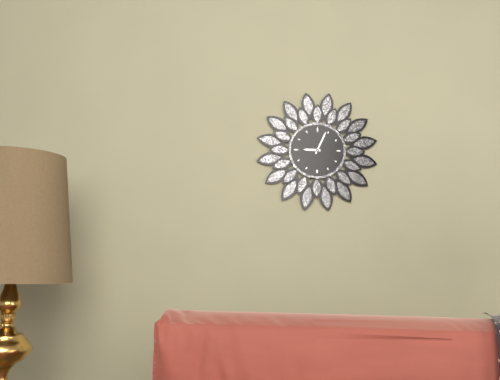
9h04
